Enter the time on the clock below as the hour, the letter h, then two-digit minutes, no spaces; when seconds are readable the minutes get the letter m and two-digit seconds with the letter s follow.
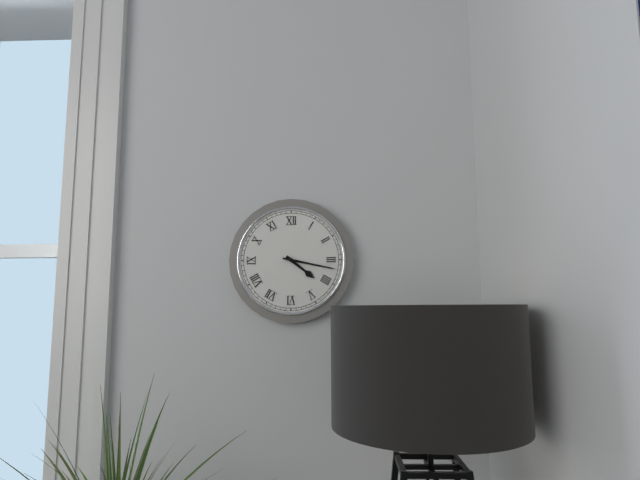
4h17
